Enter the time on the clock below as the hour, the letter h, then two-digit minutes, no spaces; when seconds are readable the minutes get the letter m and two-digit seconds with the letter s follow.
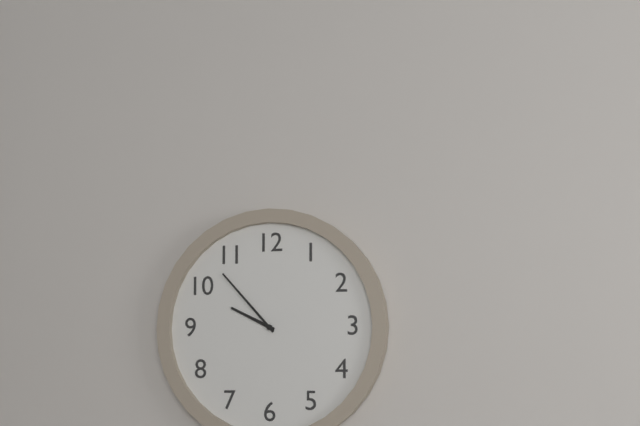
9h53
